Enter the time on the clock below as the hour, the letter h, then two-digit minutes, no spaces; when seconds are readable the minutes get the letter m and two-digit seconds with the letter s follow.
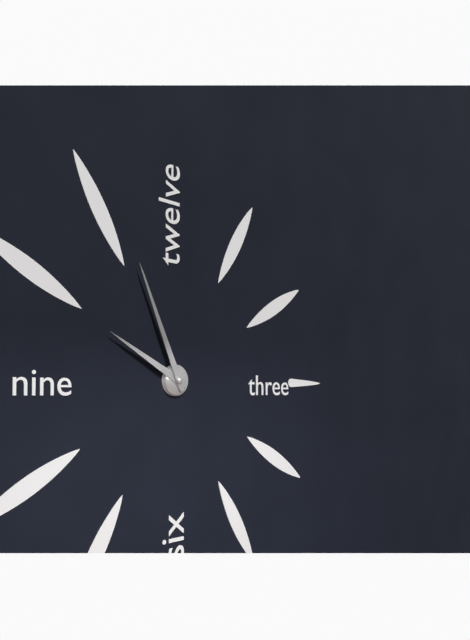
9h56
